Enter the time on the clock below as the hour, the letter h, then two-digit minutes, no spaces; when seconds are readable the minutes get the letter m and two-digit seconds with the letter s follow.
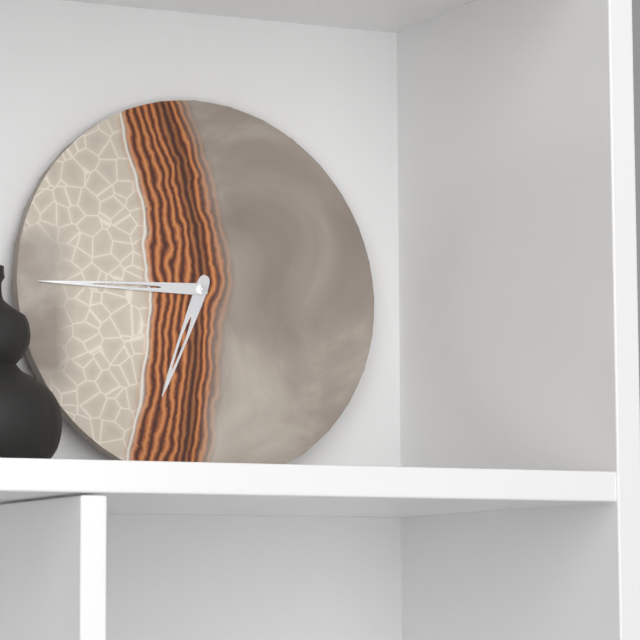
6h45
